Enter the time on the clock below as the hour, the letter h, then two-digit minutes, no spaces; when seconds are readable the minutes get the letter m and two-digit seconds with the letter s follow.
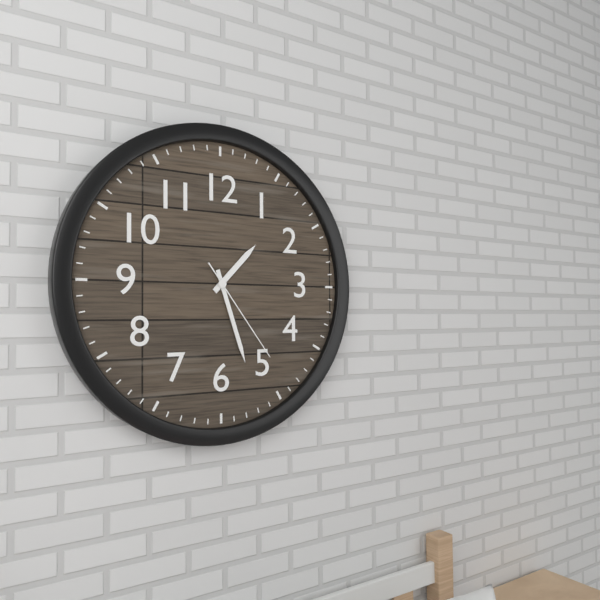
1h27m24s
